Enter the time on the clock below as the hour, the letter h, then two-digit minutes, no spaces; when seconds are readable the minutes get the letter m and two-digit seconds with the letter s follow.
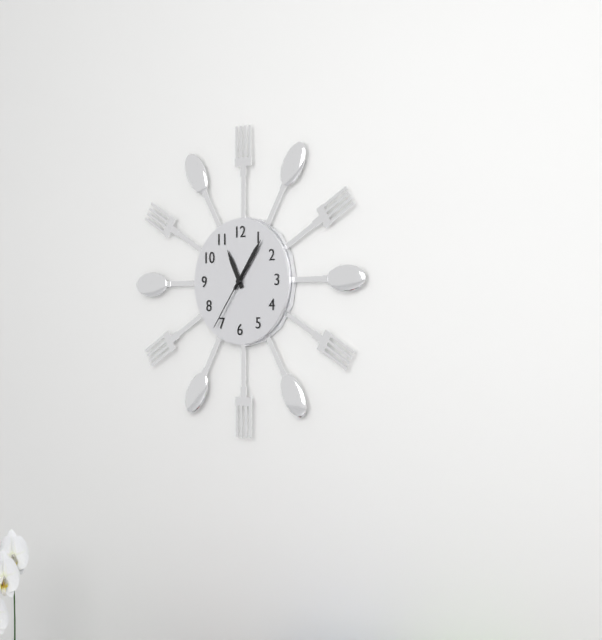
11h06m36s
